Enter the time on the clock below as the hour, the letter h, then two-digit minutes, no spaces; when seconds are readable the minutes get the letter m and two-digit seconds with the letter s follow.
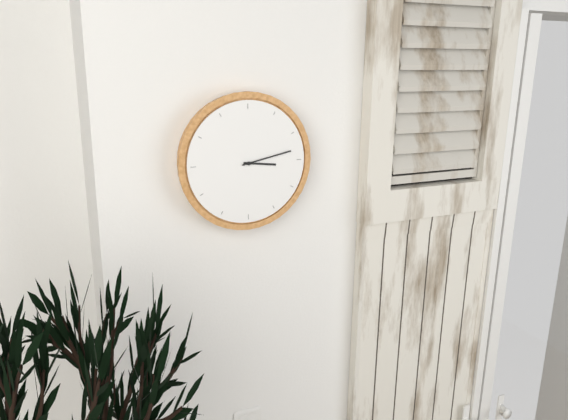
3h13
